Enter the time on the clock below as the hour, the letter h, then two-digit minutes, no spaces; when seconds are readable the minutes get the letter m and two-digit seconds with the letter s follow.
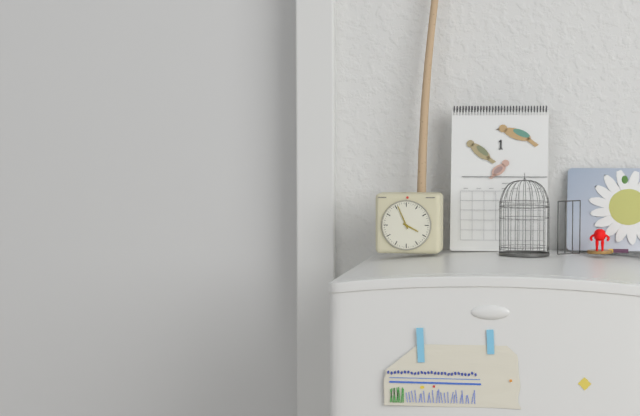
3h56
